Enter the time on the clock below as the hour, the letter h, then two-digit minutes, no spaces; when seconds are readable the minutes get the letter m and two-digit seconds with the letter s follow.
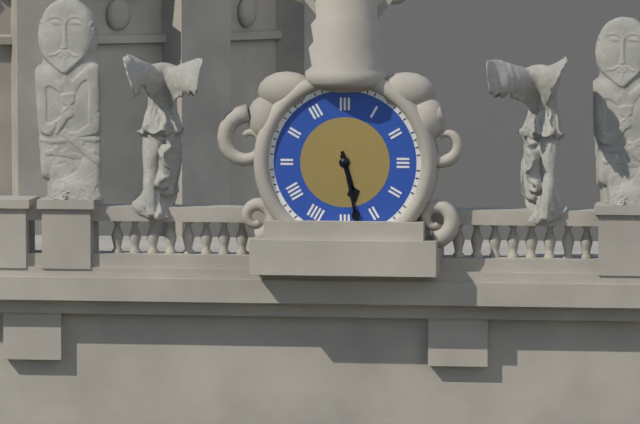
5h28
